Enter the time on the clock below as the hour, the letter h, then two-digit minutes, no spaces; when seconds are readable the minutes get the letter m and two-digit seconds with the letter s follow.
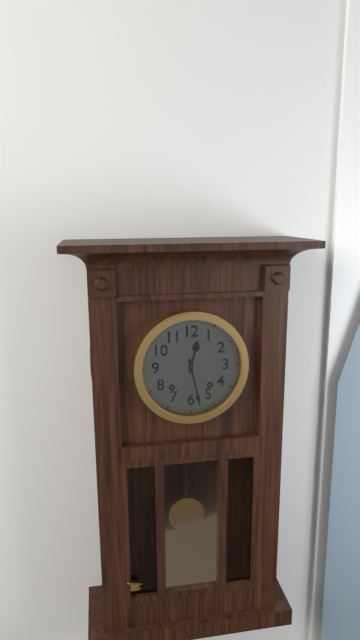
12h28
